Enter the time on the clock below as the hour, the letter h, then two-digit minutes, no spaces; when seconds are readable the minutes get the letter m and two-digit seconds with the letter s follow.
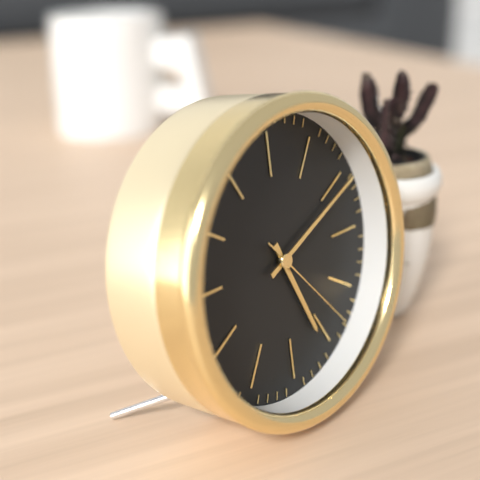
5h11m23s
